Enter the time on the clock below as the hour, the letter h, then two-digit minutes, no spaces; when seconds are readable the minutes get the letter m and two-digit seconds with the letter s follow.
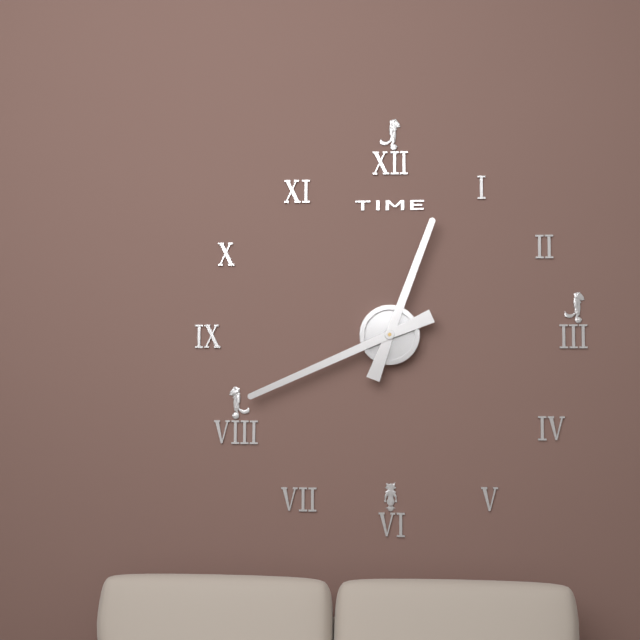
12h41
